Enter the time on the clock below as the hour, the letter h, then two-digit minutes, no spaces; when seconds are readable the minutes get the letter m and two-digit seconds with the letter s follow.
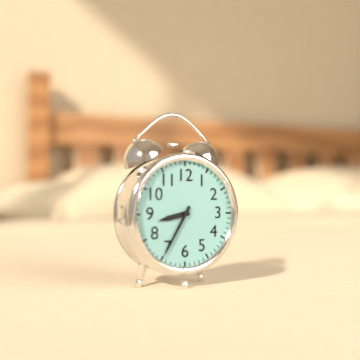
8h35
